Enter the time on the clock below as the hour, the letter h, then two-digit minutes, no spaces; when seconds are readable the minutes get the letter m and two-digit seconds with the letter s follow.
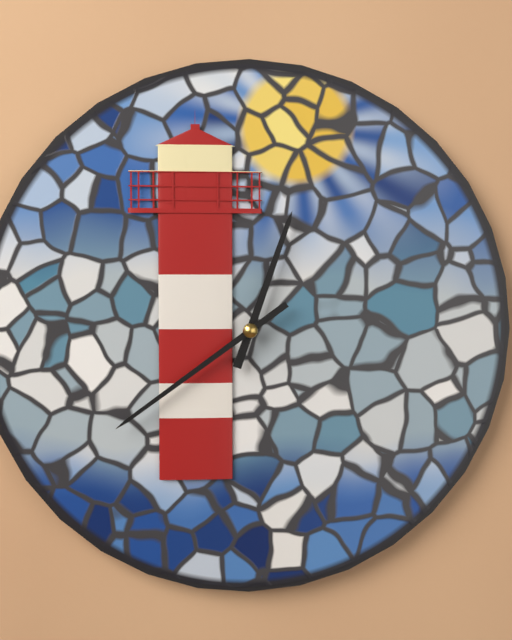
12h39
